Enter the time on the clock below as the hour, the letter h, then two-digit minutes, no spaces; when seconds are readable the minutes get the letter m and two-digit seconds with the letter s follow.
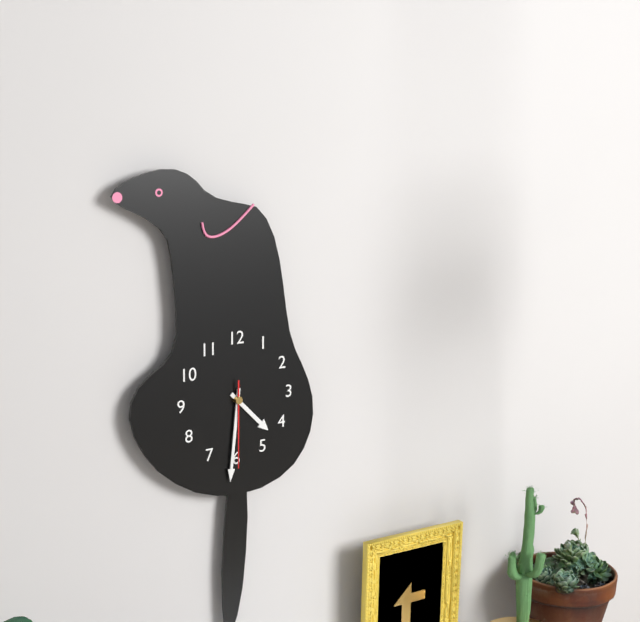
4h31m30s
